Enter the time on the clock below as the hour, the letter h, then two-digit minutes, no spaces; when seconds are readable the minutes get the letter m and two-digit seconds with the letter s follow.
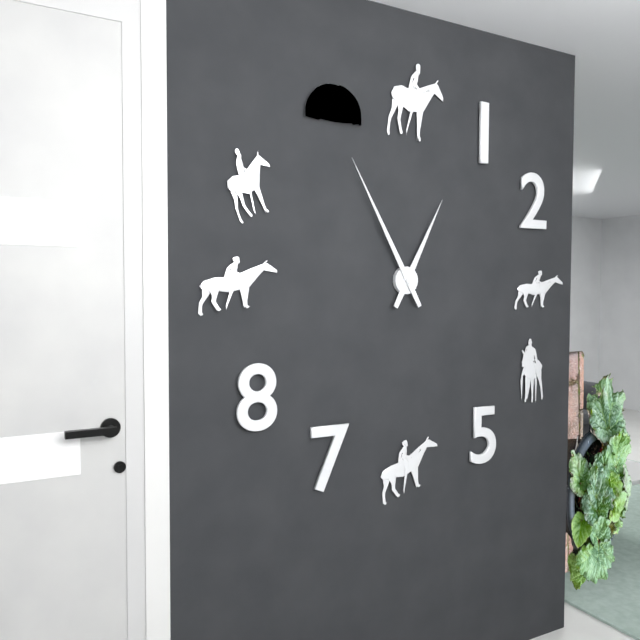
12h55
